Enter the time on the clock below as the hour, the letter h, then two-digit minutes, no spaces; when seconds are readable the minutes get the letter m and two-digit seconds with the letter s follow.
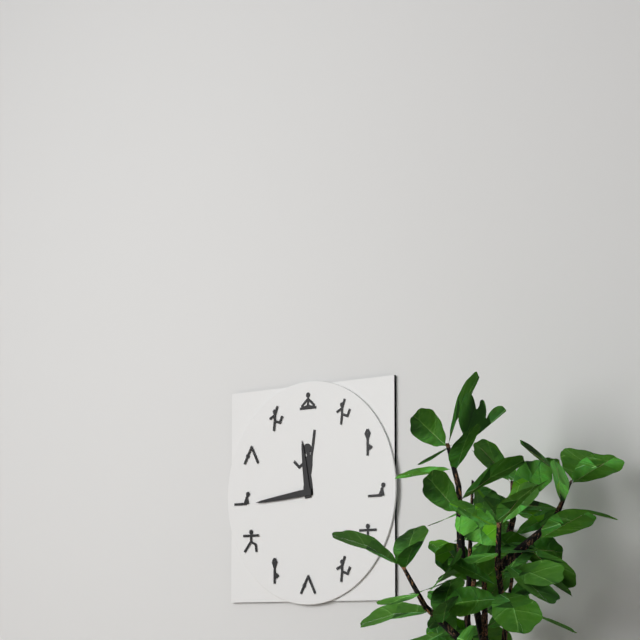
11h44
